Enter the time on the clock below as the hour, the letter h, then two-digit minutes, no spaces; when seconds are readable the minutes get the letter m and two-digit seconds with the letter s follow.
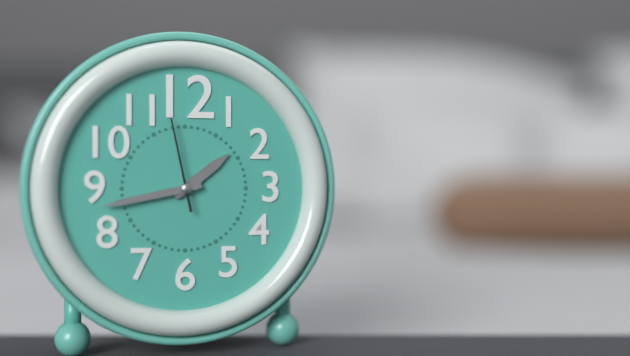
1h43m58s
